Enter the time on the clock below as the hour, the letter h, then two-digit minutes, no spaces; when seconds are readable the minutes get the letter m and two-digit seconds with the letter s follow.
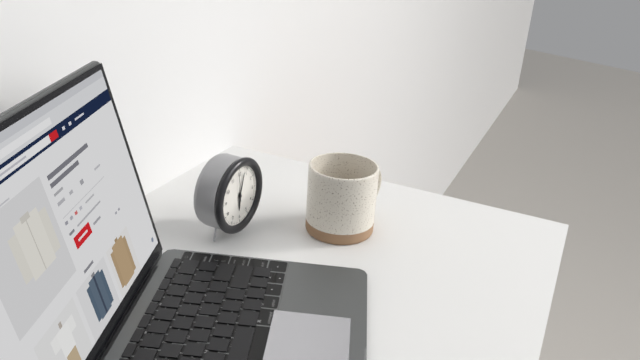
6h03
